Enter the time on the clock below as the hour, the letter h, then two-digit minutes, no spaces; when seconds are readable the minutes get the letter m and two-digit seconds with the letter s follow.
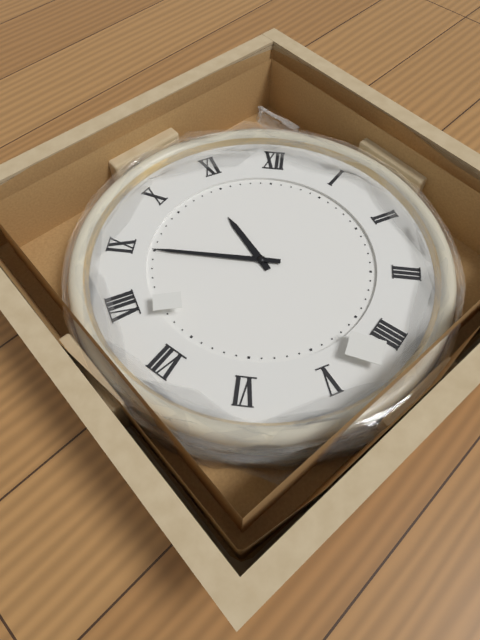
10h45
